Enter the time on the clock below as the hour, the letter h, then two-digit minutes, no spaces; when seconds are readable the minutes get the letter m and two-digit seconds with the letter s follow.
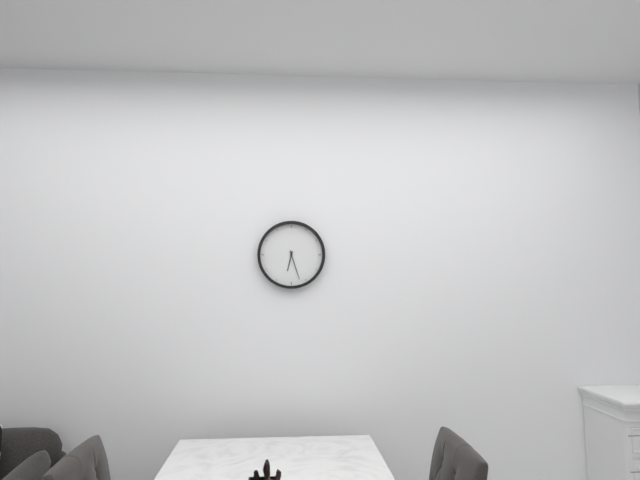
6h27
